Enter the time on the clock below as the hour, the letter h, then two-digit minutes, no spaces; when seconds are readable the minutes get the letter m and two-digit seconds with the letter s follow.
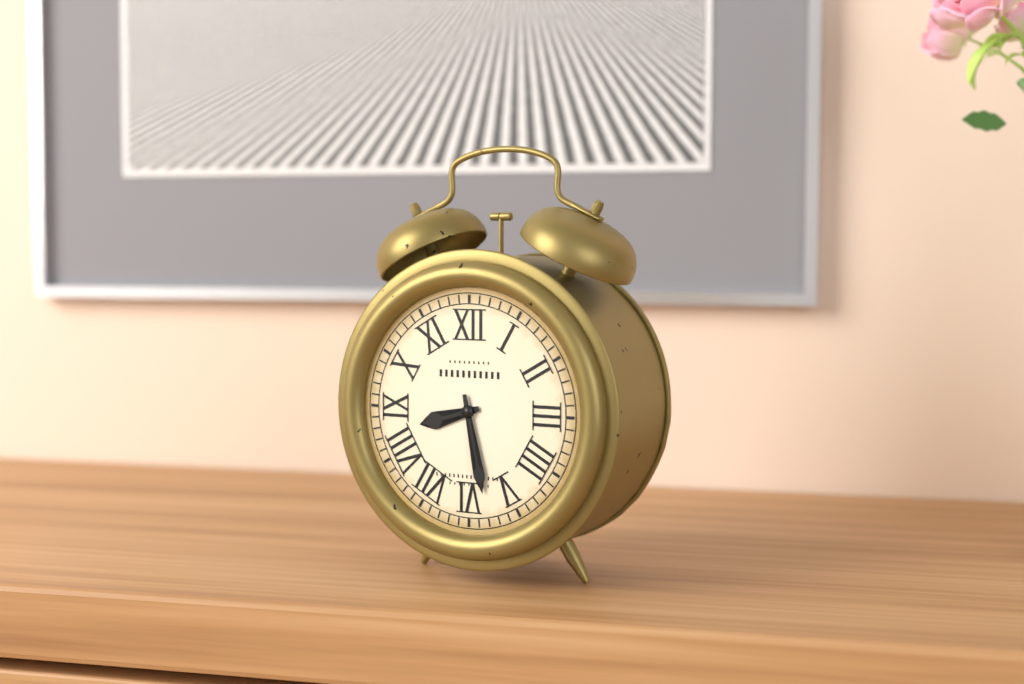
8h28
